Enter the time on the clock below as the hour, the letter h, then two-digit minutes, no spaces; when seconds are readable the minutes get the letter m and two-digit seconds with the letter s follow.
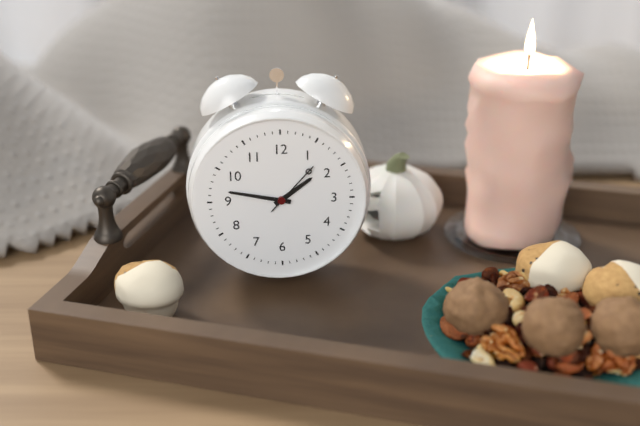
1h47m07s
